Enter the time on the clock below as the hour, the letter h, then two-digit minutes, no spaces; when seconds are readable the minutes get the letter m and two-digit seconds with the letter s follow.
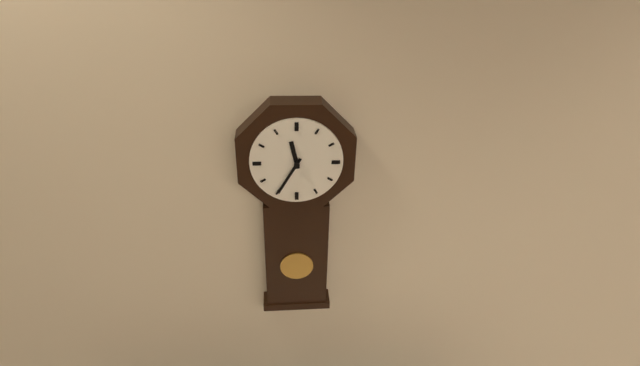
11h35
